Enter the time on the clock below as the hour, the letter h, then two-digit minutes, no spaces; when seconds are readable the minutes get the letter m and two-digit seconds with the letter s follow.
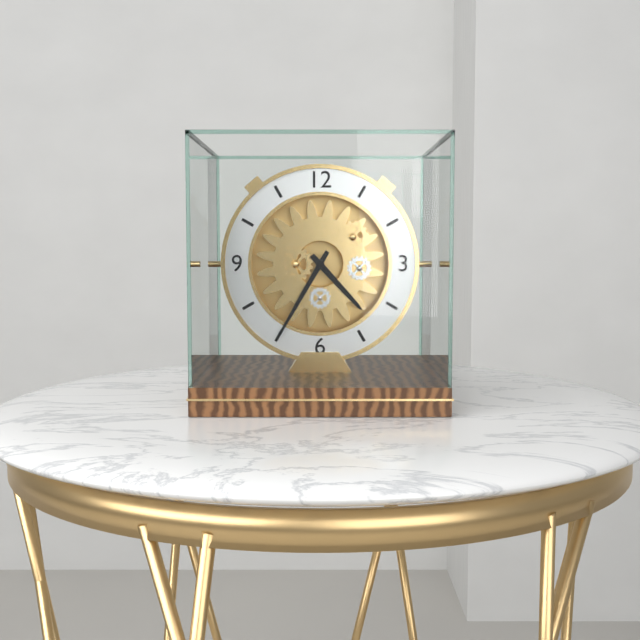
4h35
